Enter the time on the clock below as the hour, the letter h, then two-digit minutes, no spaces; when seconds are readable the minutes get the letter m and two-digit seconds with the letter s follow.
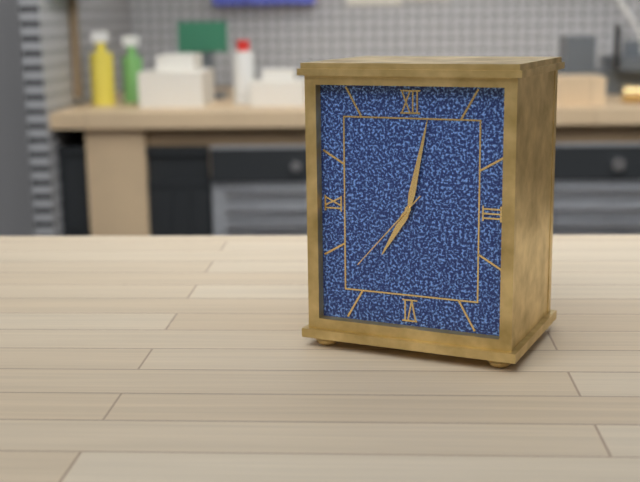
7h02m37s
